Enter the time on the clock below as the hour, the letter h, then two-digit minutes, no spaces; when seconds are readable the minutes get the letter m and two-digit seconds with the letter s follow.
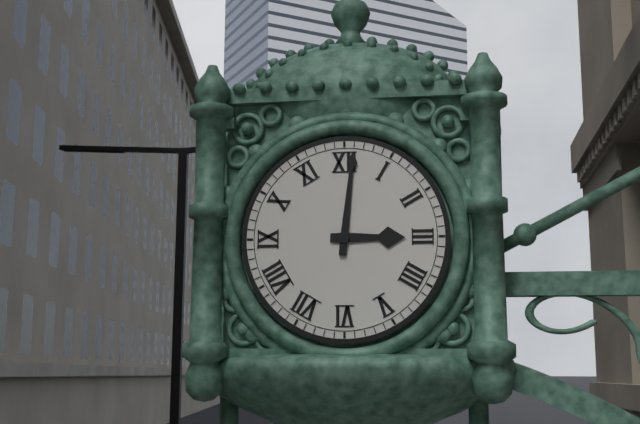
3h01
